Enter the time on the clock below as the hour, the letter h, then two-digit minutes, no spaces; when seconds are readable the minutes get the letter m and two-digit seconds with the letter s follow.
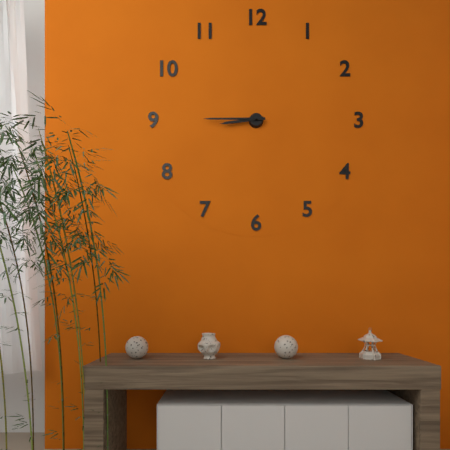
8h45
